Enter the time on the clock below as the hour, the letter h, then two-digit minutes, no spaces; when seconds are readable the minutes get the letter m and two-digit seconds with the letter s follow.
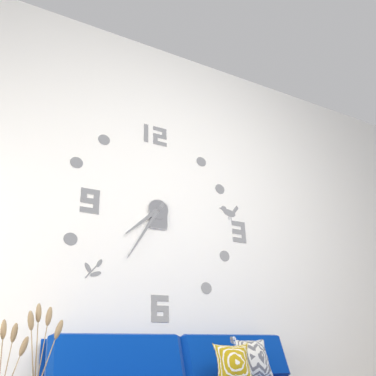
7h35
